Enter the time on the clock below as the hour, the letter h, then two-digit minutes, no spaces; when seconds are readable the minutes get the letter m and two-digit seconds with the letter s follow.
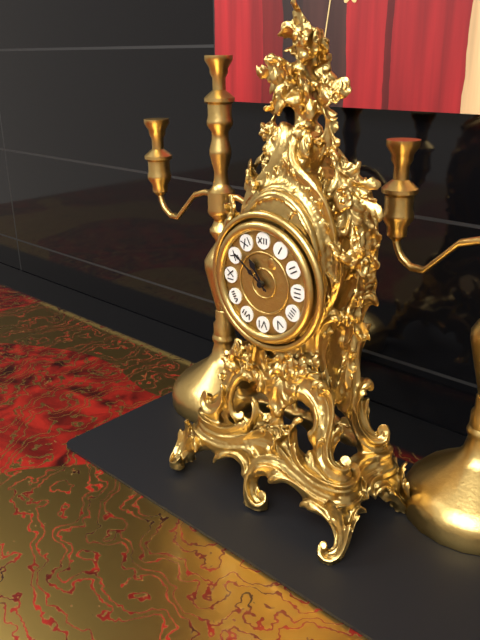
10h51
